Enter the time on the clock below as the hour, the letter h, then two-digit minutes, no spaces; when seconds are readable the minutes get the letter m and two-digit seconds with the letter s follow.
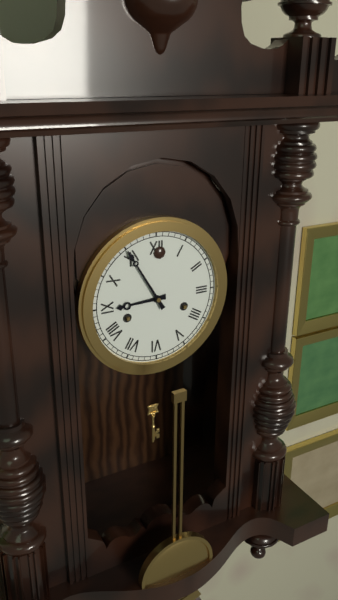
8h55
